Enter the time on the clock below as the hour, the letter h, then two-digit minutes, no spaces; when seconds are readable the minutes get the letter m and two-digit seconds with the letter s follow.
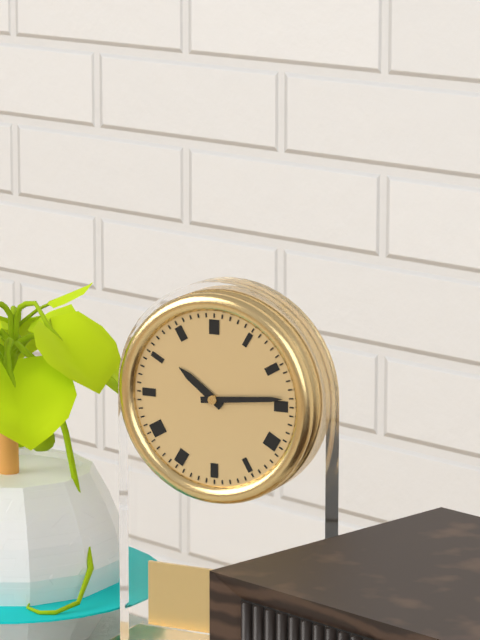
10h14
